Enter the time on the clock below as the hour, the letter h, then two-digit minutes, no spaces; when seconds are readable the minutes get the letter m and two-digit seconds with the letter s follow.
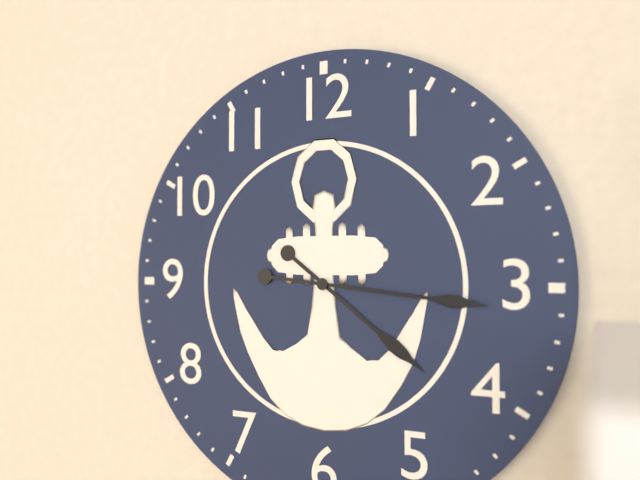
4h16
